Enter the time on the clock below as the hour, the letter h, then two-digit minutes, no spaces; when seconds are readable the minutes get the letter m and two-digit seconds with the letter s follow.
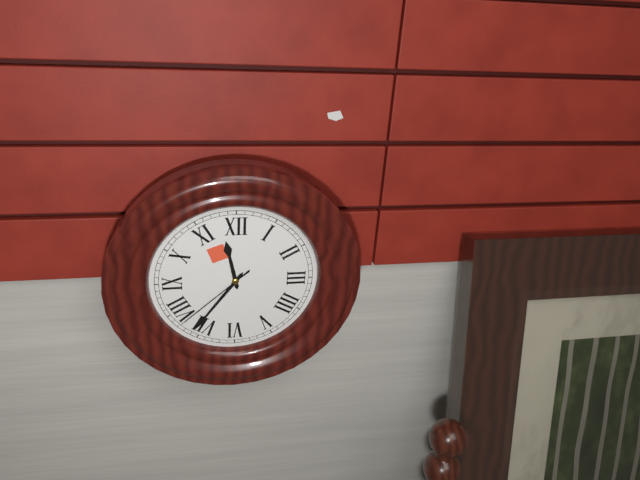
11h36m38s
